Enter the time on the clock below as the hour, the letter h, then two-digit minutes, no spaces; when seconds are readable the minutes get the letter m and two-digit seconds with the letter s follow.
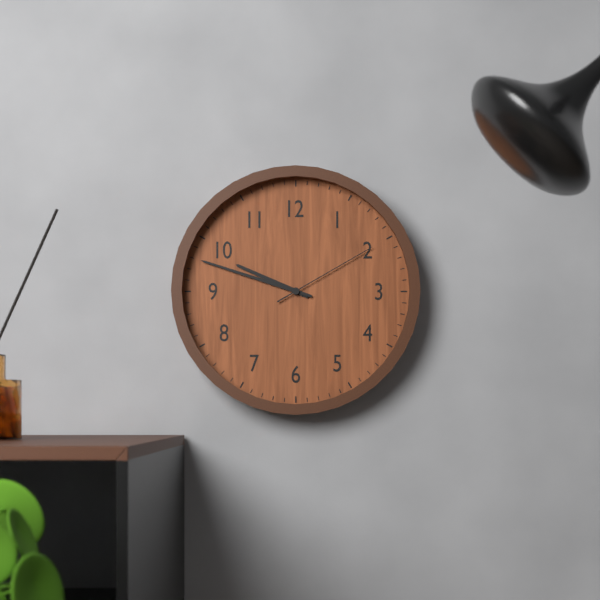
9h48m10s
